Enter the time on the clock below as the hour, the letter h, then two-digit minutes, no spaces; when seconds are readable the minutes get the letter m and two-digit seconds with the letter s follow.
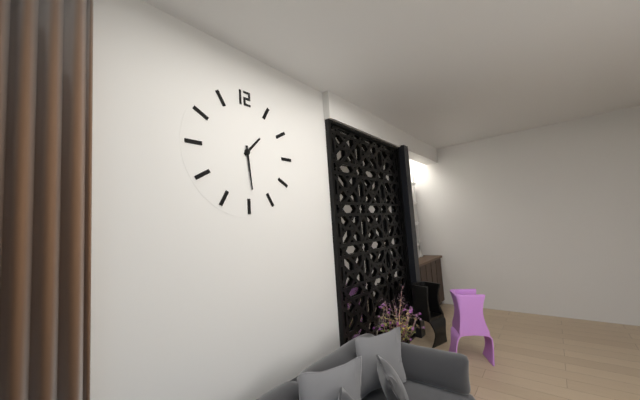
1h29
